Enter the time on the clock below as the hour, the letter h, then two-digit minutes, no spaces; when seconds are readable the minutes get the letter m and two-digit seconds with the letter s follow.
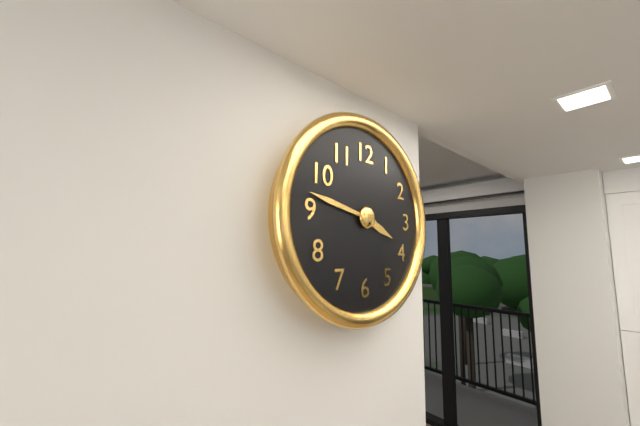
3h47
